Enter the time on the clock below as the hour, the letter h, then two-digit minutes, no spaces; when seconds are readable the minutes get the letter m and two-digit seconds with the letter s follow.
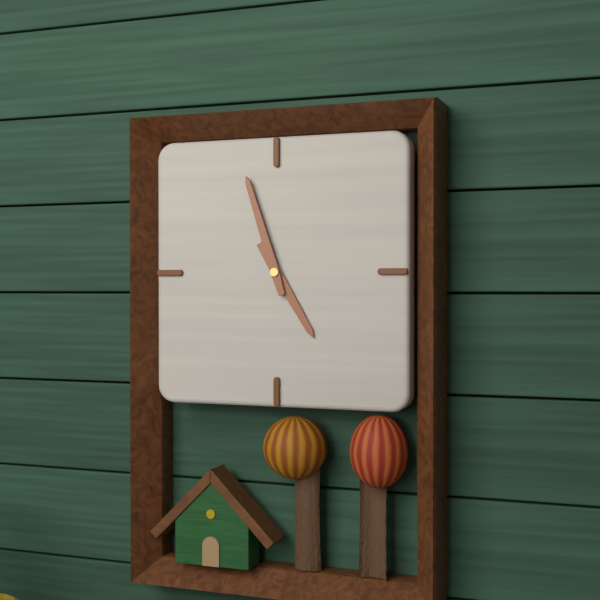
4h57
